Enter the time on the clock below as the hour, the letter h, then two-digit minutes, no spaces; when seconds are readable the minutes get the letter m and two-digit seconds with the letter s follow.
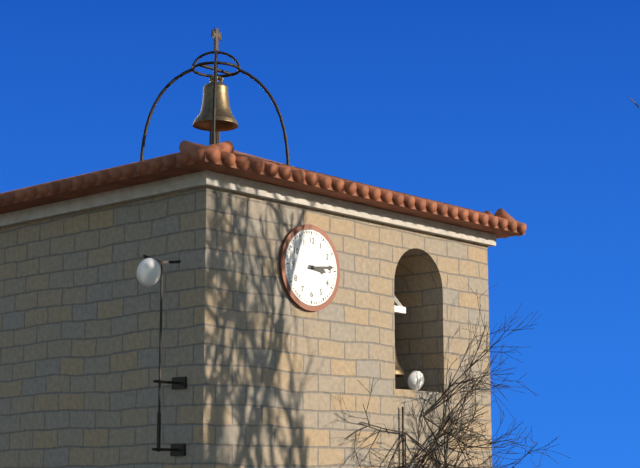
3h14
